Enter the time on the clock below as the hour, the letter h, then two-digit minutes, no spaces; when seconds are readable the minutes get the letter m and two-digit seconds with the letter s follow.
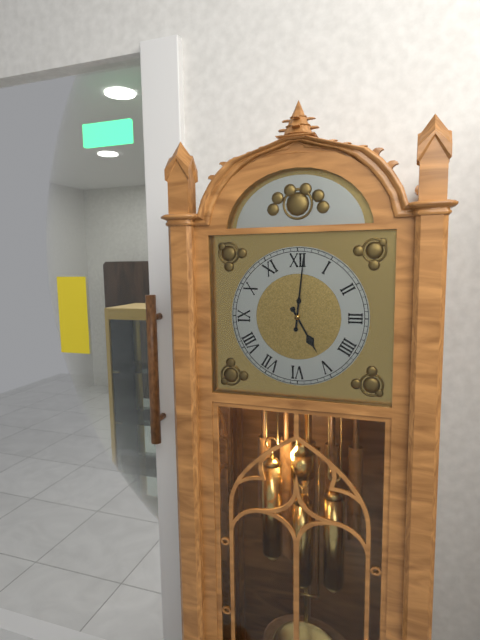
5h01
